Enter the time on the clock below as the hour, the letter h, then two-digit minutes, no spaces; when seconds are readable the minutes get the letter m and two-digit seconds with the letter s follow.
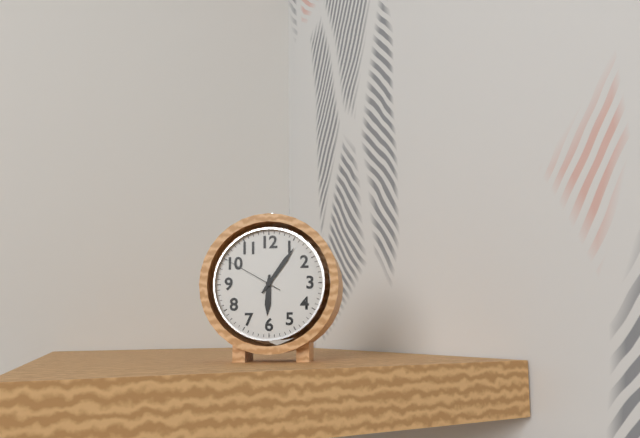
6h06m50s
